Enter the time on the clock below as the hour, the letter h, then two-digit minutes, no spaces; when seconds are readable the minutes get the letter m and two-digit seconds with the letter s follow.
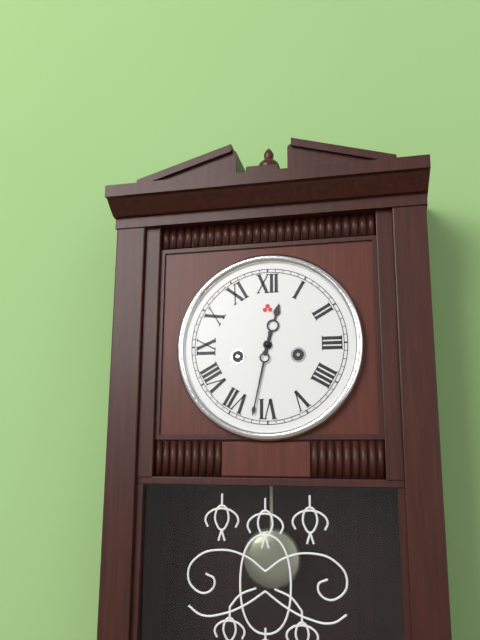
12h32
